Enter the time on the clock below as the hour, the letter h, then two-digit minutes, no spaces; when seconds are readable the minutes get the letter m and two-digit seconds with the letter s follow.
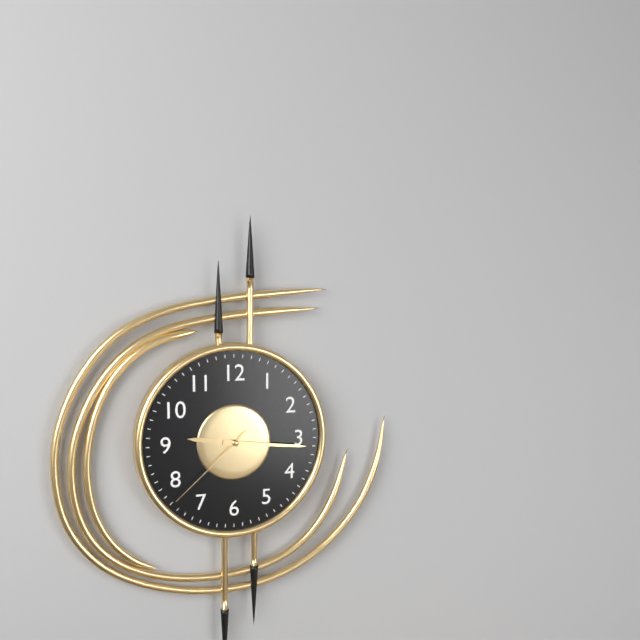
9h16m38s
